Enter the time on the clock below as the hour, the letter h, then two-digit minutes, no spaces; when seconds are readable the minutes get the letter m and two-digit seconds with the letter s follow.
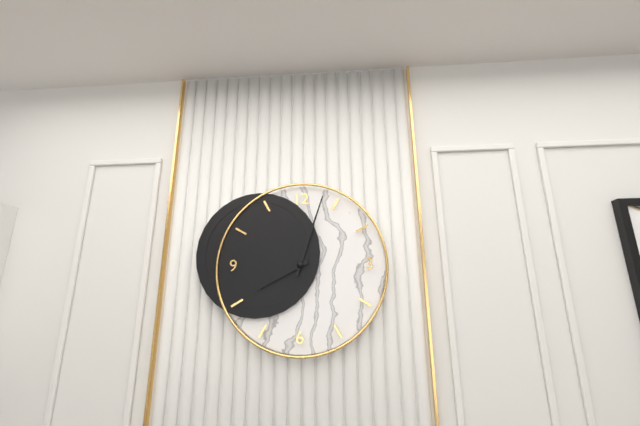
8h03
